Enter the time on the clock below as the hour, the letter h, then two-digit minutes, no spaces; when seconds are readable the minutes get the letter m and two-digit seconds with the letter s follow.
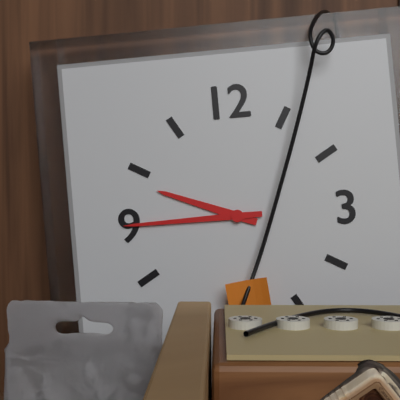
9h45
